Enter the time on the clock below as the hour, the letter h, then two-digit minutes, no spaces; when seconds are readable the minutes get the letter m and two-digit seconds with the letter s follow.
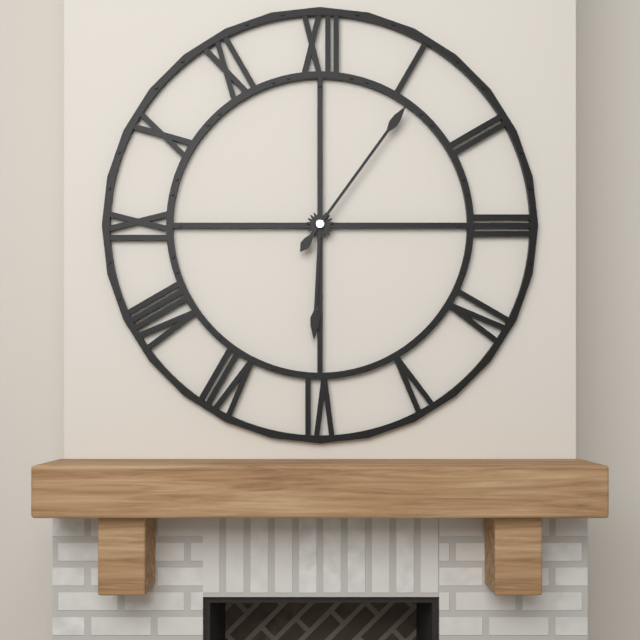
6h06
